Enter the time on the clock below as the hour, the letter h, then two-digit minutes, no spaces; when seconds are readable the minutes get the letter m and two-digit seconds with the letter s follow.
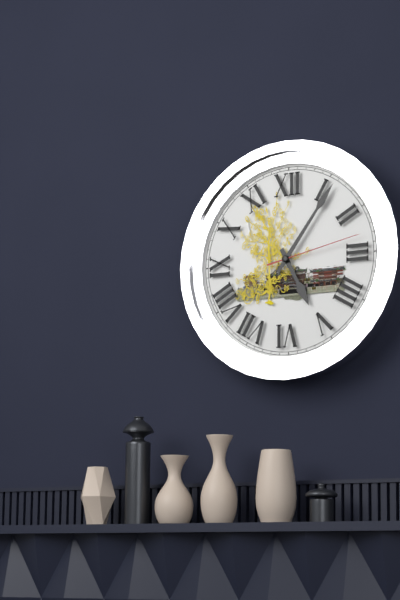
5h06m13s
